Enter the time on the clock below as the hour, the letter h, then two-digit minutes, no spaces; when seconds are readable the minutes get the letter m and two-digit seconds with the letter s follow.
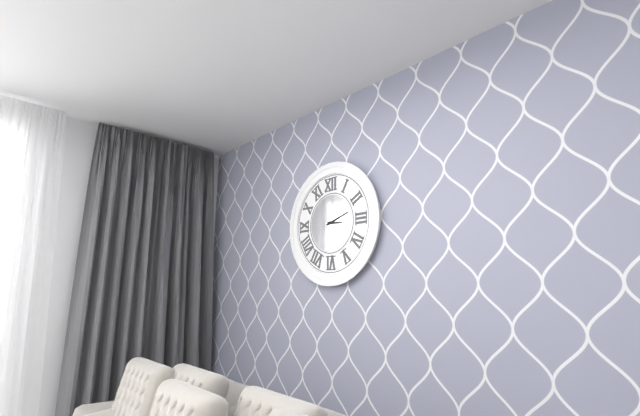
3h12
